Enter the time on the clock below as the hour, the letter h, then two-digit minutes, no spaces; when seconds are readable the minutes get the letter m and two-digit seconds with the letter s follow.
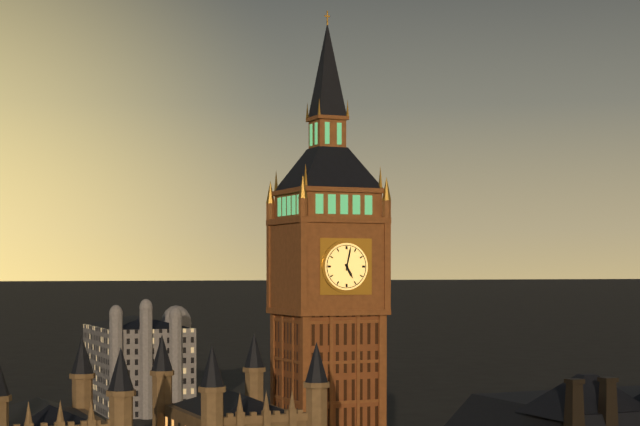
5h02
